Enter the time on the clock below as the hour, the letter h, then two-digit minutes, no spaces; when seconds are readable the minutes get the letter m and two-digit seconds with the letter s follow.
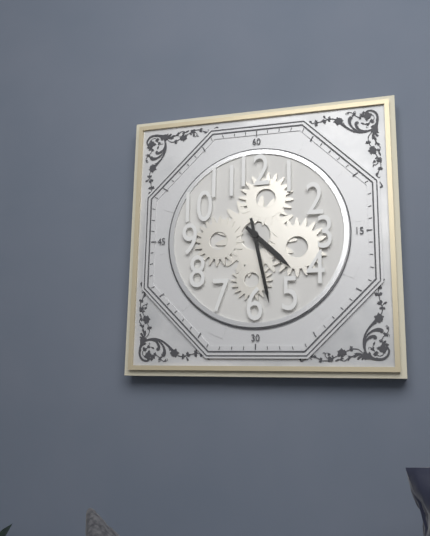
4h28
